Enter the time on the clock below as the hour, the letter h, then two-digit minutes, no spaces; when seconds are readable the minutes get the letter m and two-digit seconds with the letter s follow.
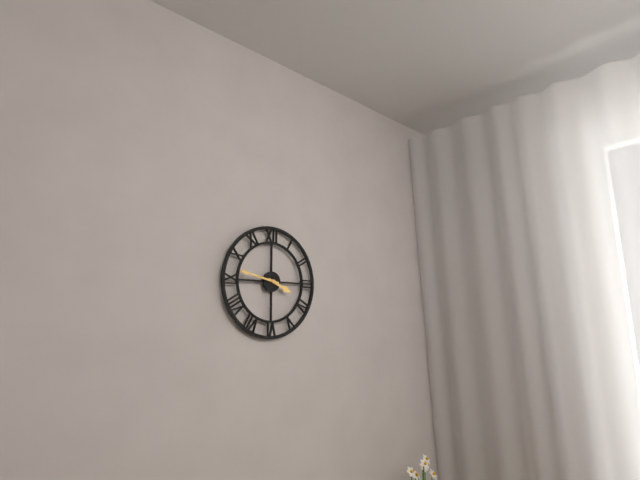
3h47
